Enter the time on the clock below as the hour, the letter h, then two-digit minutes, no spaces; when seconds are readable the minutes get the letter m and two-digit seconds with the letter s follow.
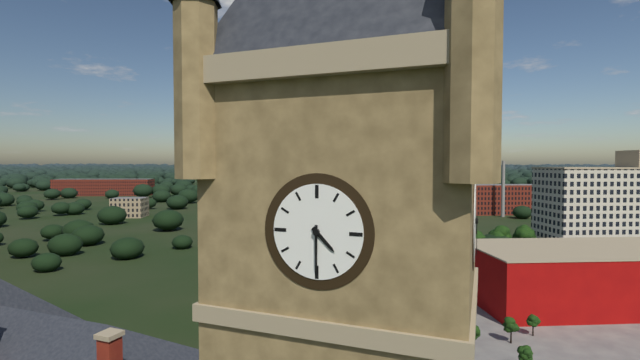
4h30
